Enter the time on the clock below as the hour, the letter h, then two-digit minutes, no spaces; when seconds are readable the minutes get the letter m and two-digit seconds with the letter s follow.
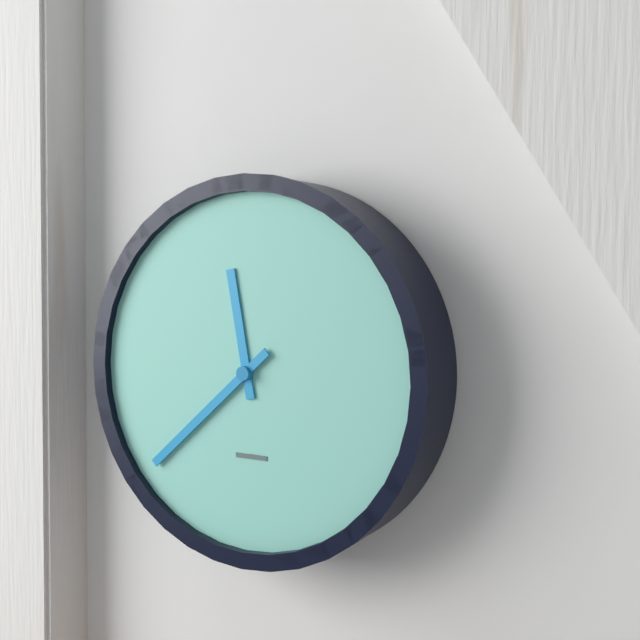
11h38
